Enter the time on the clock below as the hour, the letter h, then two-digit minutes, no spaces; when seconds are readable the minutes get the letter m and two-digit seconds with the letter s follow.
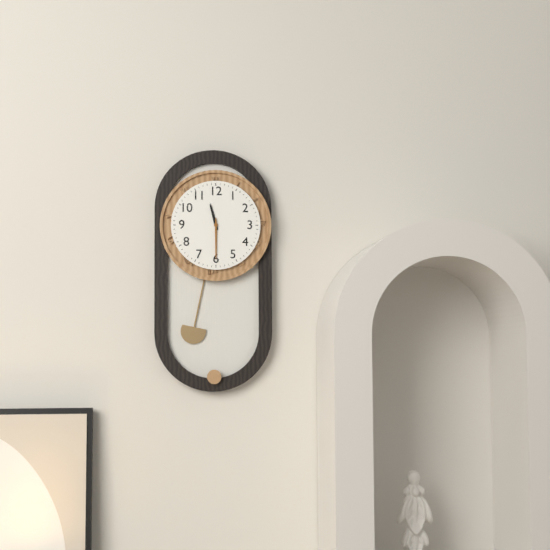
11h30
